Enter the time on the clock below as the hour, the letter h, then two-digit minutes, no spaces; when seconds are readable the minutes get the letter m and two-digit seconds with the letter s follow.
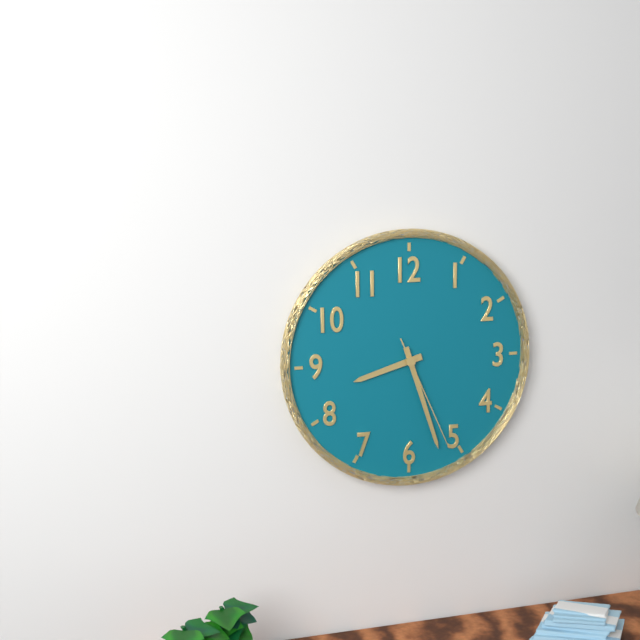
8h27m26s
